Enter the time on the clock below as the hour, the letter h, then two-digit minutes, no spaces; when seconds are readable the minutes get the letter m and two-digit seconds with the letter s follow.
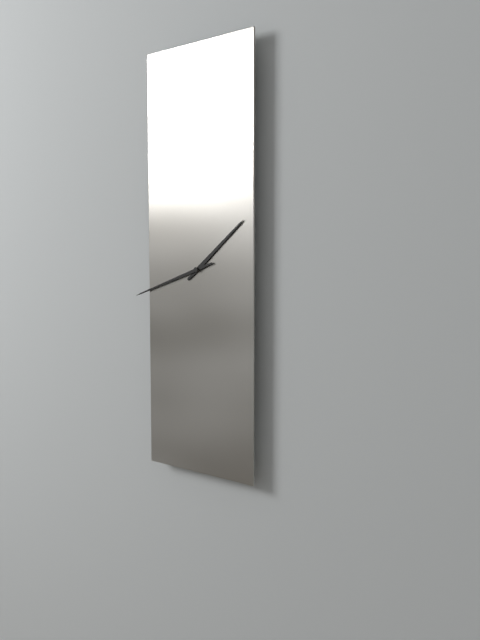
1h42
